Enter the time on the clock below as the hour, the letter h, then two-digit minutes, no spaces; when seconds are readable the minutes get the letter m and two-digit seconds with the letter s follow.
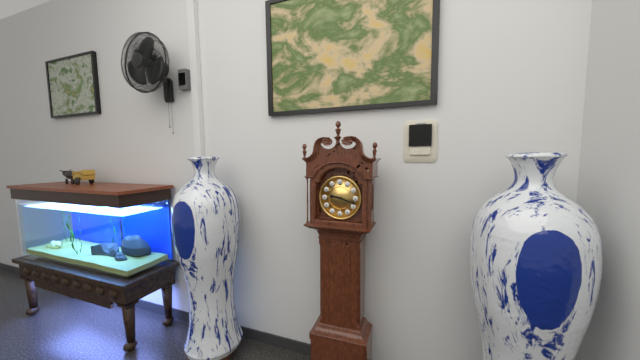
9h18
